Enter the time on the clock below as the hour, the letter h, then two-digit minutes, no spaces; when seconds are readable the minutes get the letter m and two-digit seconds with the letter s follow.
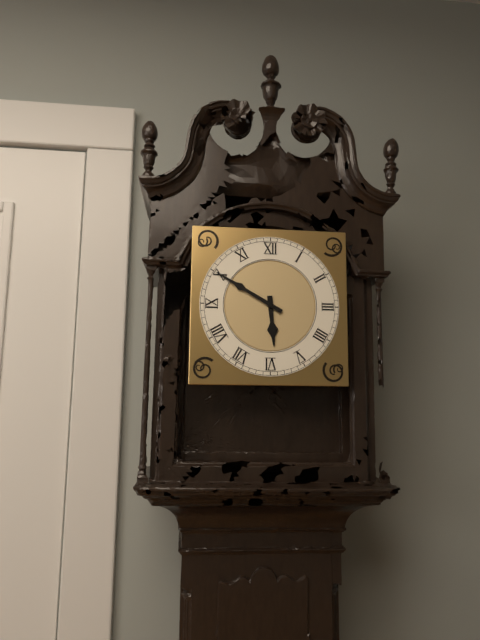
5h50
